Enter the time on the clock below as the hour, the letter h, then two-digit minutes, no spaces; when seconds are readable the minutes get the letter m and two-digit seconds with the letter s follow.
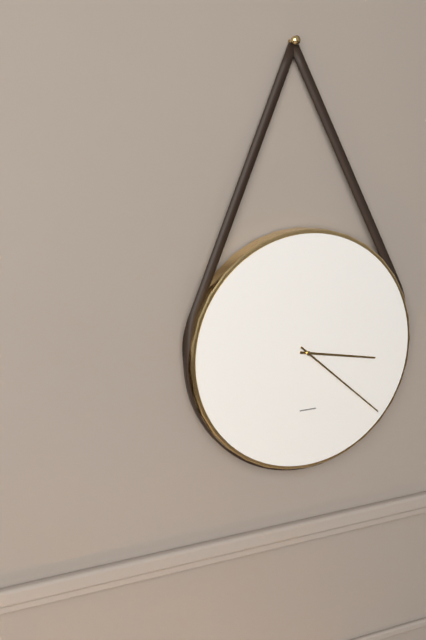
3h22
